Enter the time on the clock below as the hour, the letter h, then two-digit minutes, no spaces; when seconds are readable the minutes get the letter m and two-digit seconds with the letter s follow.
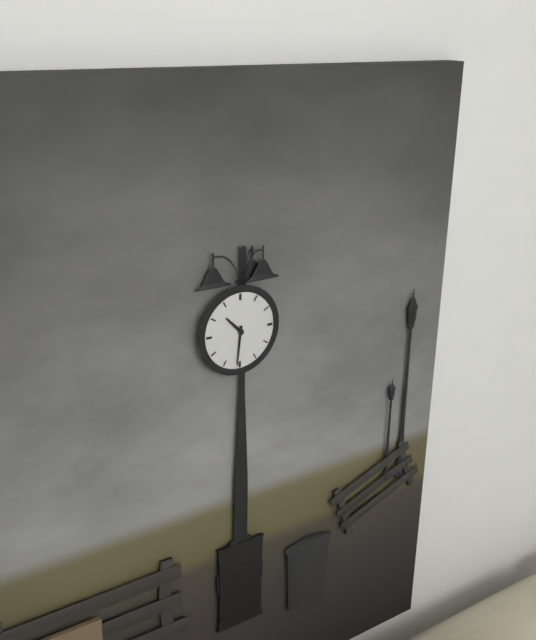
10h31
